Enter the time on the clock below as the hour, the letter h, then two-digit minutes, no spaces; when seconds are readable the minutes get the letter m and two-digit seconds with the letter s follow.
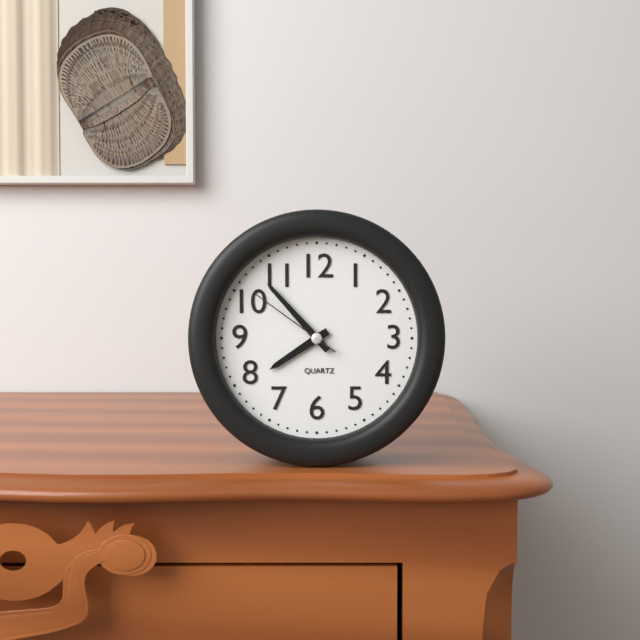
7h53m51s
